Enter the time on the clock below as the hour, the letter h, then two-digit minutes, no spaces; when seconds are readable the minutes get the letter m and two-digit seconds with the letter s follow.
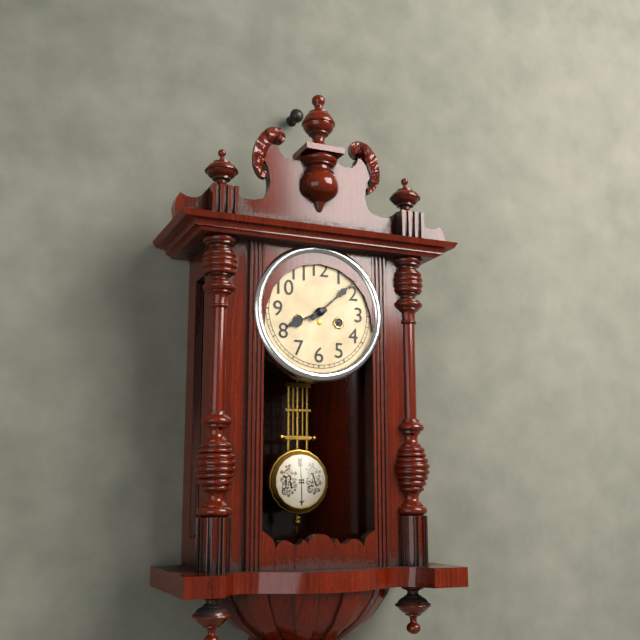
8h08
